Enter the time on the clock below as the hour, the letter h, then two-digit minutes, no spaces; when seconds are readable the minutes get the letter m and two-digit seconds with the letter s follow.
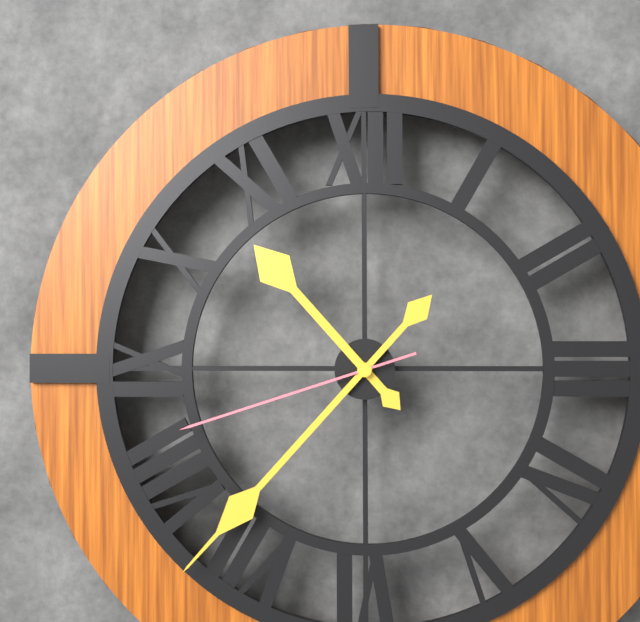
10h37m42s
